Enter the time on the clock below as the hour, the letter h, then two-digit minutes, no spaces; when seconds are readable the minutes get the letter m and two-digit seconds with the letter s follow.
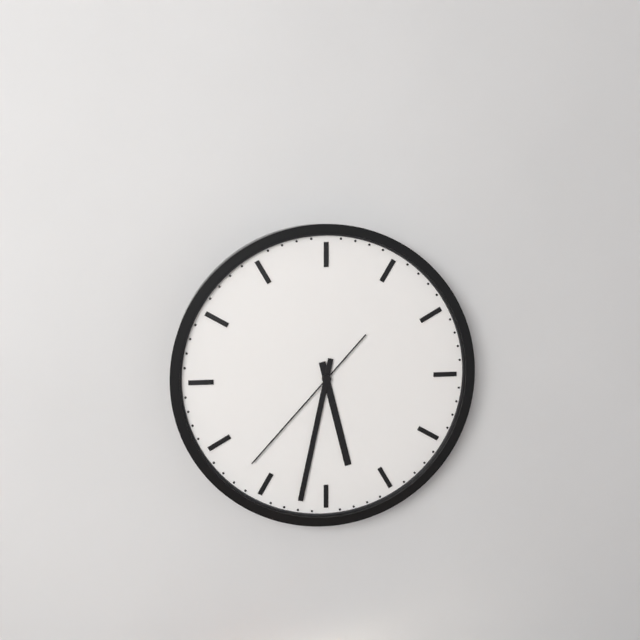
5h32m37s
